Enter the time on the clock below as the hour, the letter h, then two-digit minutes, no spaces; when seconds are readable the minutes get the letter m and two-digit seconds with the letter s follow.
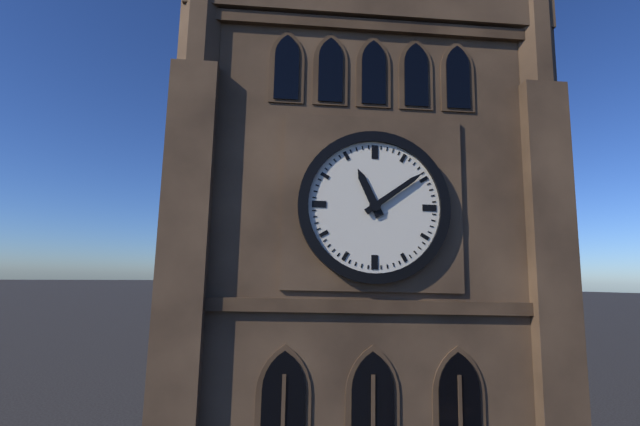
11h09
